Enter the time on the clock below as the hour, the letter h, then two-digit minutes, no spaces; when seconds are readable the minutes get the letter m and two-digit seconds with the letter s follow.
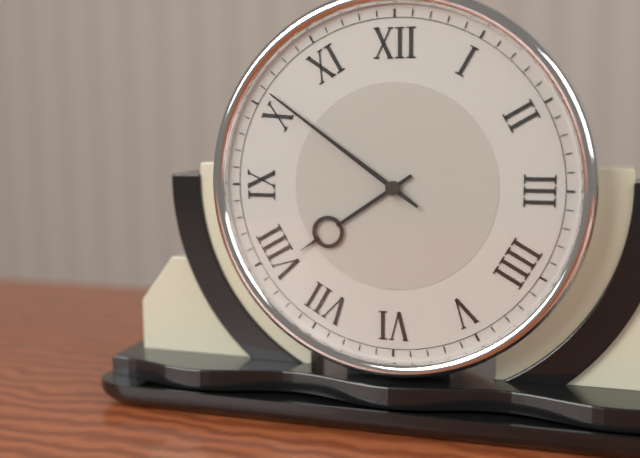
7h51
